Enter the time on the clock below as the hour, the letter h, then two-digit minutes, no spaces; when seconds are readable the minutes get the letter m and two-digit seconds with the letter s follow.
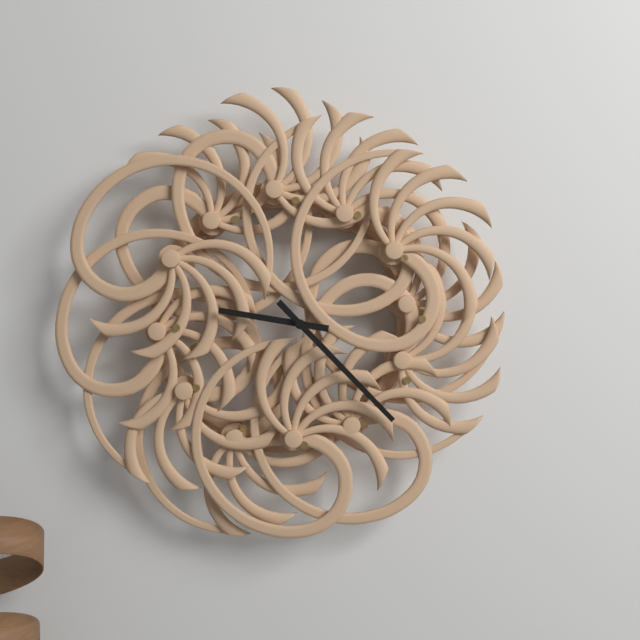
9h23
